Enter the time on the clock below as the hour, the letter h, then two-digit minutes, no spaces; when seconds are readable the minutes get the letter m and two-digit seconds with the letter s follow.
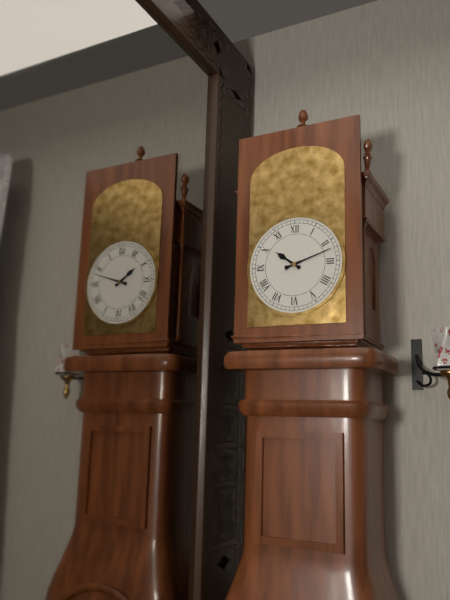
10h12
